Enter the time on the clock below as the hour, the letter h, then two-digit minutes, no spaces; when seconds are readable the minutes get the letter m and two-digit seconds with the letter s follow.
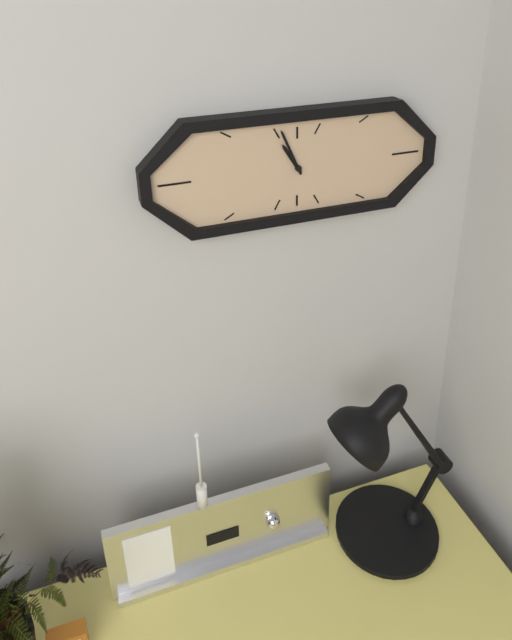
10h56
